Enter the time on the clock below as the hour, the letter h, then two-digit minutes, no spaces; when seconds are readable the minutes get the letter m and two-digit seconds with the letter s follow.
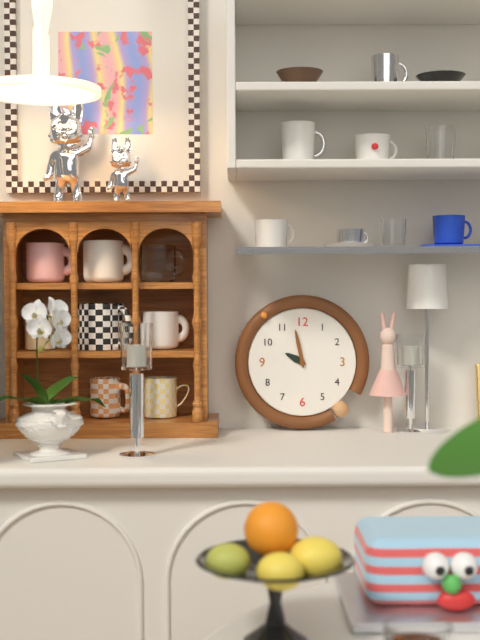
9h58
